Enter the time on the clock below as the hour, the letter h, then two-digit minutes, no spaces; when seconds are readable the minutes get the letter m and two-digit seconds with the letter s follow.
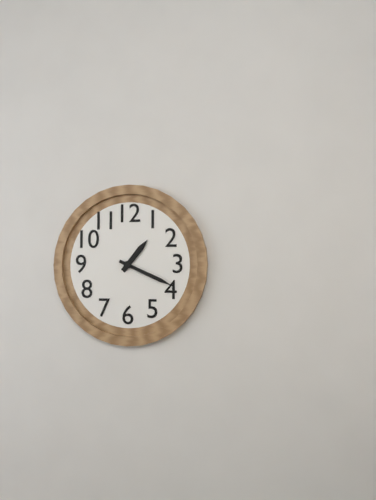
1h19
